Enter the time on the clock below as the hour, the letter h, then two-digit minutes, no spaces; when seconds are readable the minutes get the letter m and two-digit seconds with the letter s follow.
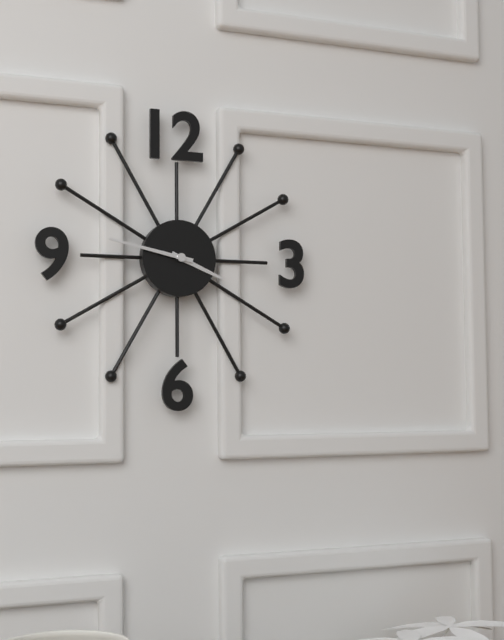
3h47
